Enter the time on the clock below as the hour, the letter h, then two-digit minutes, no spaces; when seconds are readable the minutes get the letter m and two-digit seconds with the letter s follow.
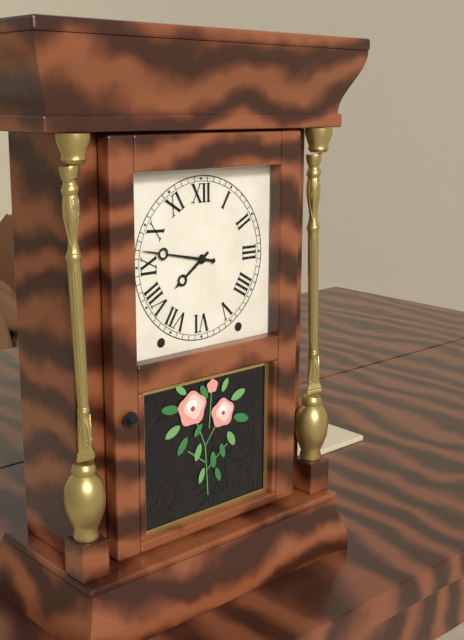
7h47
